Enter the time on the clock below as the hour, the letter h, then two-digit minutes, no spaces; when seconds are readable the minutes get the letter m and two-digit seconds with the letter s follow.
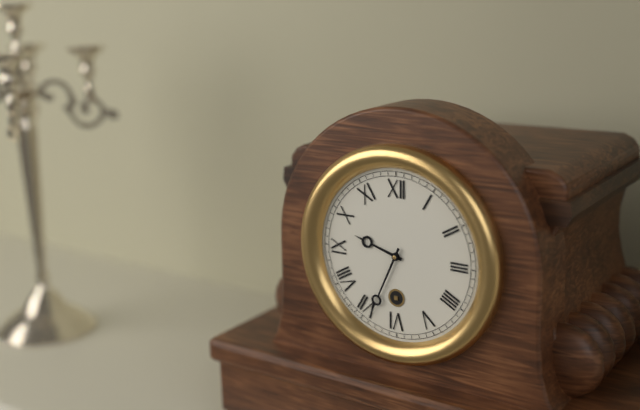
9h34
